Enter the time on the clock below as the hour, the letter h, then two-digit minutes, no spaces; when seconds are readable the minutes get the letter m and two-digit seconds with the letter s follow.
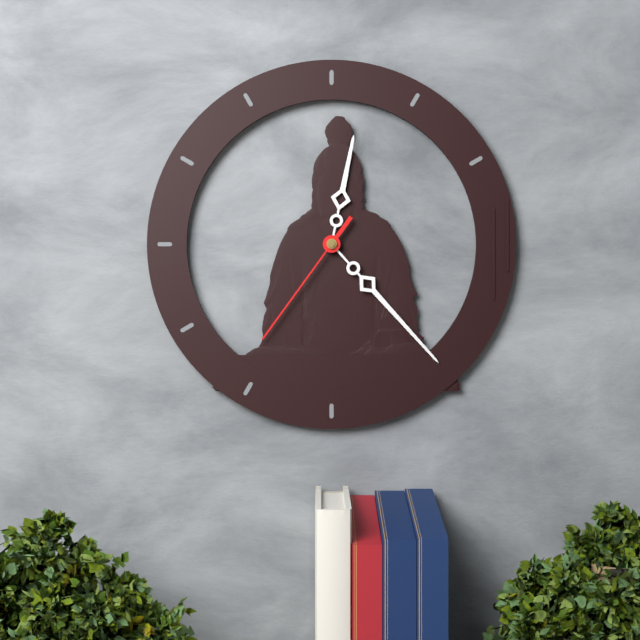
12h23m36s
